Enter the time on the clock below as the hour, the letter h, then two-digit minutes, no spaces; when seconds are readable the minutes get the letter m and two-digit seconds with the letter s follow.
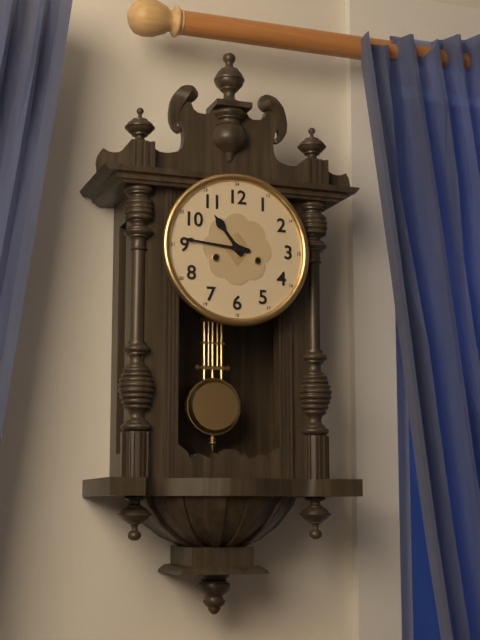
10h46
